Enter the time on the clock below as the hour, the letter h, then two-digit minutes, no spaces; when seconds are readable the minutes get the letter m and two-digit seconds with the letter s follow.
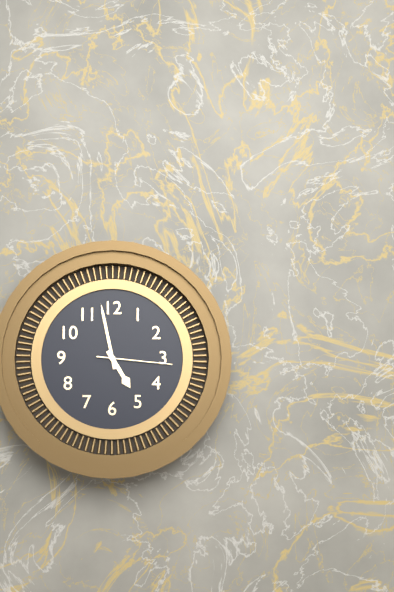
4h58m16s
